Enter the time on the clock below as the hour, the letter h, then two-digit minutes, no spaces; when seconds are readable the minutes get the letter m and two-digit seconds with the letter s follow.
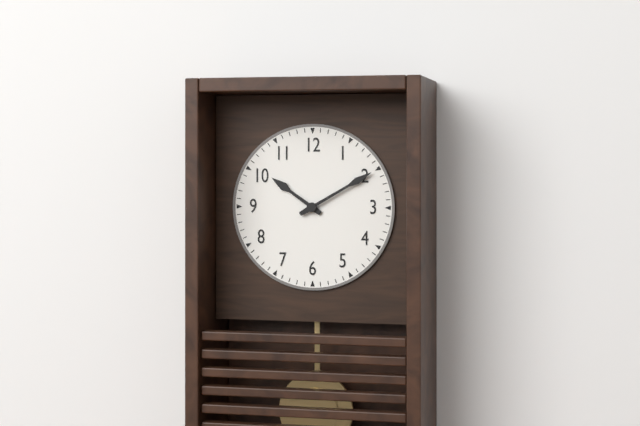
10h10
